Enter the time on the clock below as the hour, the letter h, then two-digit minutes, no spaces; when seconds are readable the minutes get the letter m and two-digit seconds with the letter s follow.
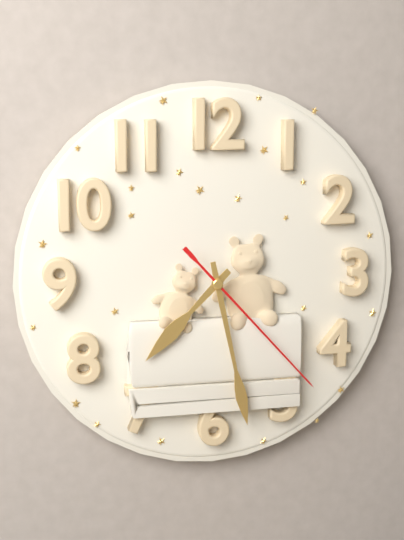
7h28m23s
